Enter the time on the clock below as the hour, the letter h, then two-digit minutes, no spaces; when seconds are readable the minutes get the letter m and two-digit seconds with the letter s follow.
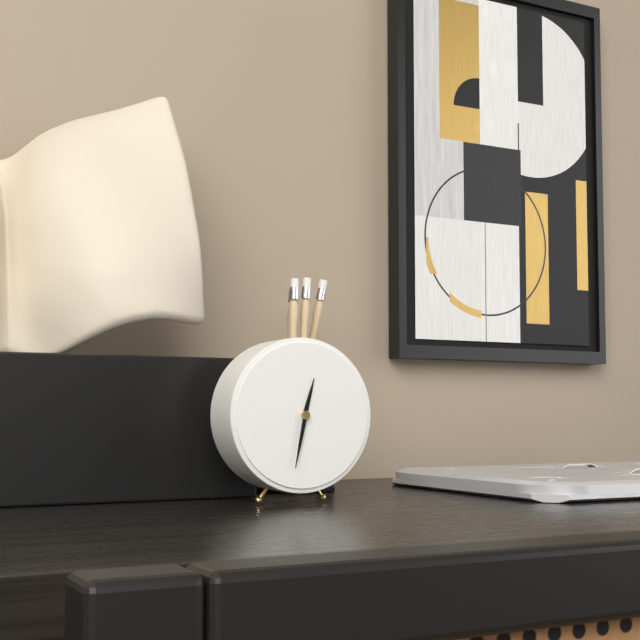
12h32
